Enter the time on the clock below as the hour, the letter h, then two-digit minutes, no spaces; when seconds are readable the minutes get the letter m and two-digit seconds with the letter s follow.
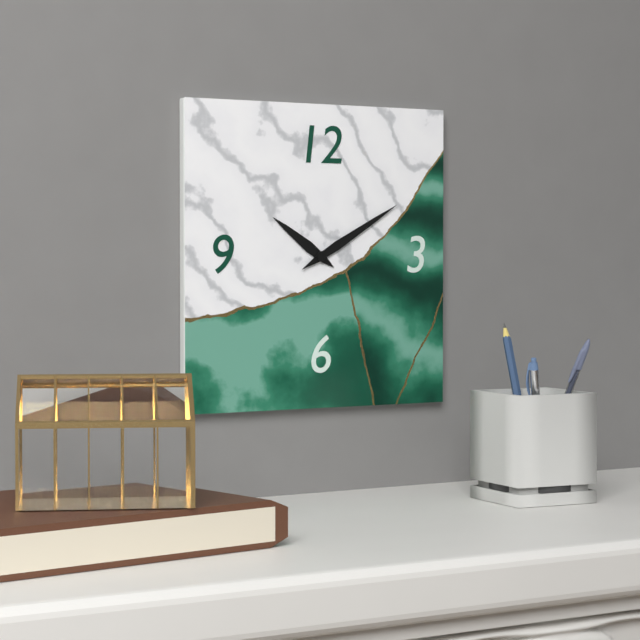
10h10
